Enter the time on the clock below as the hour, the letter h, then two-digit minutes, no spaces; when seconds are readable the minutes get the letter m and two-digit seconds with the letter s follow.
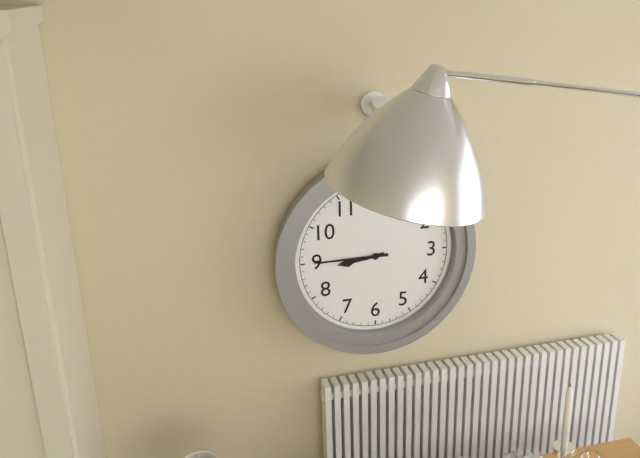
8h45
